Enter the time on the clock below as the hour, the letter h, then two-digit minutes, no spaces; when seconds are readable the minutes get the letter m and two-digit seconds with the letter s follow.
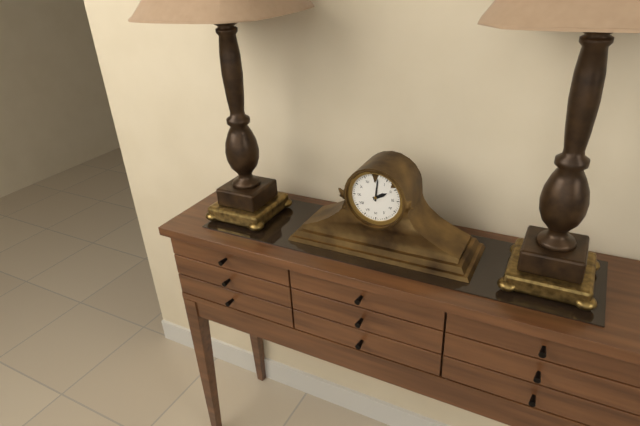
2h01
